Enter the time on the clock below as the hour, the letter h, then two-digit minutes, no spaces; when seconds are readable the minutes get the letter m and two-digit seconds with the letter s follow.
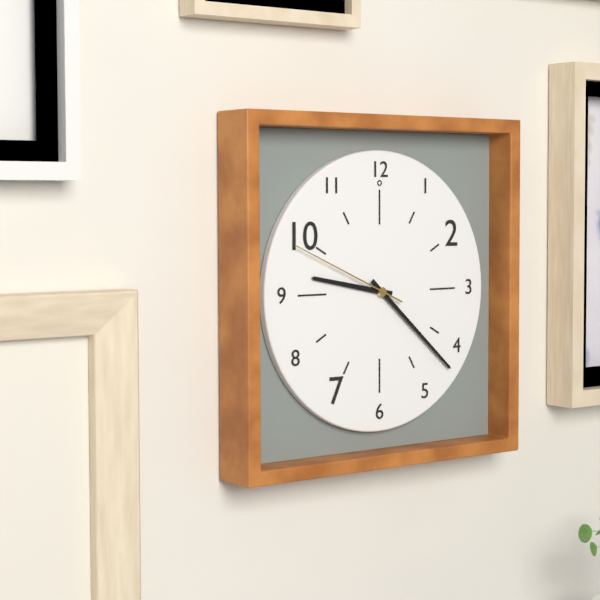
9h22m49s
